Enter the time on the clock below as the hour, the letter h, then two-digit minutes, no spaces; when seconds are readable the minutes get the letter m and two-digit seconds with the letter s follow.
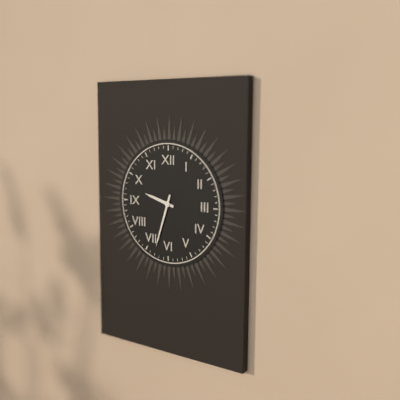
9h33
